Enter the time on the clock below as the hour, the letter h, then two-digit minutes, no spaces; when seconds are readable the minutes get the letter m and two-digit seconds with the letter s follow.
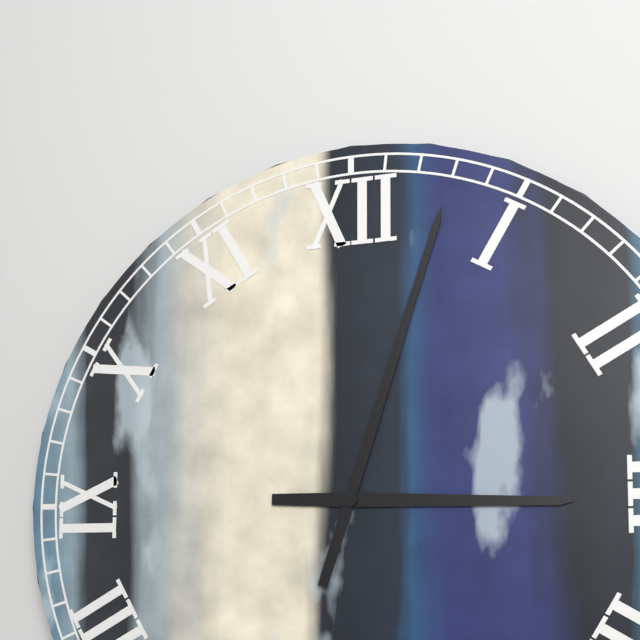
3h03
